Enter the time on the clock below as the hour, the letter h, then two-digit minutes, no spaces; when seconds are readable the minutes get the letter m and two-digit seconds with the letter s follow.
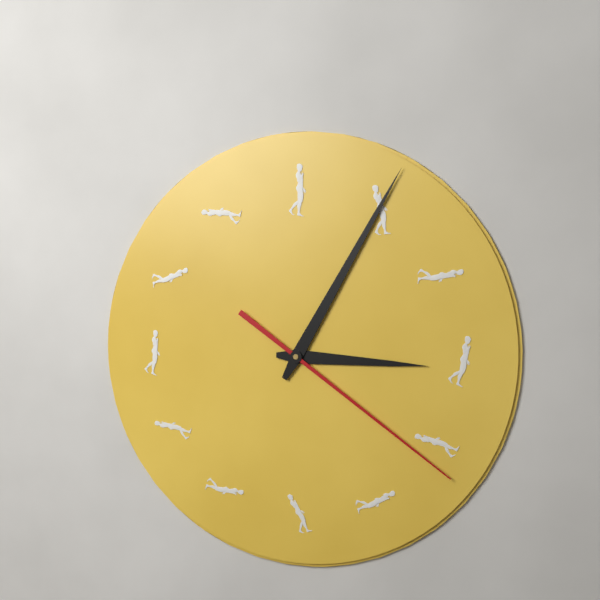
3h05m21s
